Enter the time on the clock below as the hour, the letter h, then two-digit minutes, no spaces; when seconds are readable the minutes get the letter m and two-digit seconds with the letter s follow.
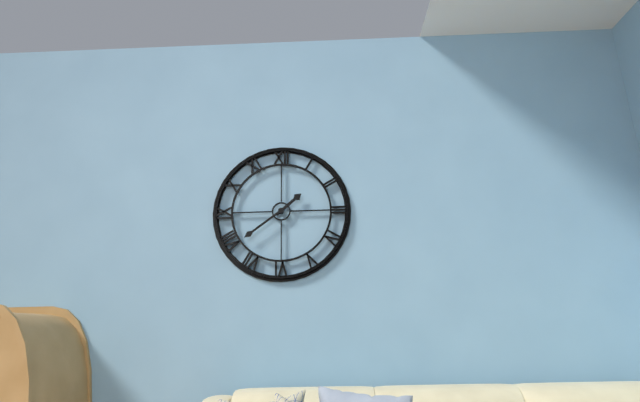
1h39
